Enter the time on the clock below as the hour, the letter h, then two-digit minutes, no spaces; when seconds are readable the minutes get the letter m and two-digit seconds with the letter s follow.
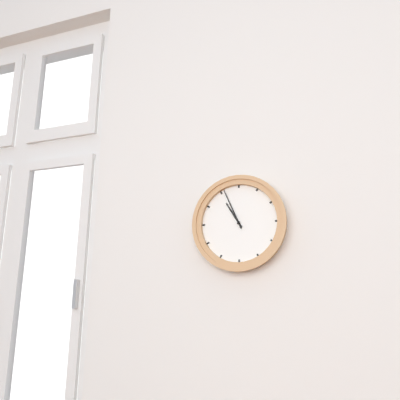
10h56
